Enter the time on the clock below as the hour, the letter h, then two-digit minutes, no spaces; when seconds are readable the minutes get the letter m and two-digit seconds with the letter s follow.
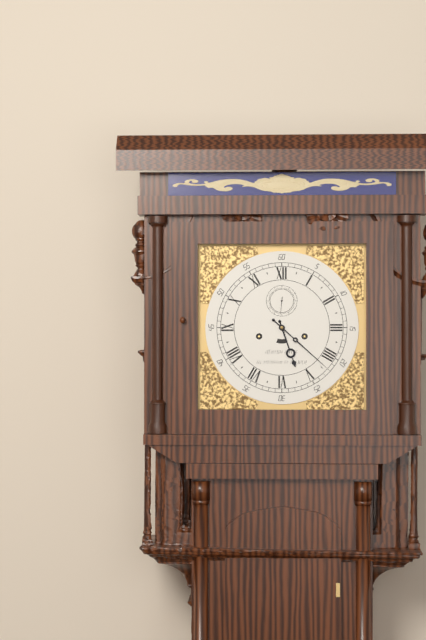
5h22
